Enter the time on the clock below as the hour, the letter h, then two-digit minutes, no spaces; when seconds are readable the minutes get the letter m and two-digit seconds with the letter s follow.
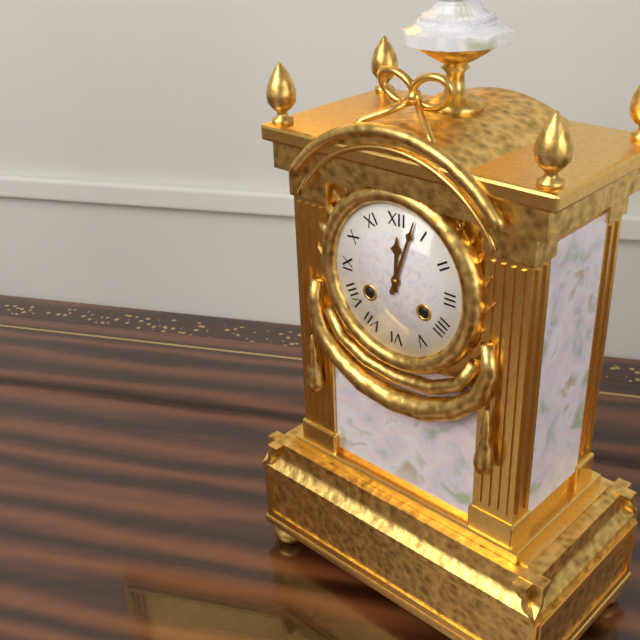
12h03
